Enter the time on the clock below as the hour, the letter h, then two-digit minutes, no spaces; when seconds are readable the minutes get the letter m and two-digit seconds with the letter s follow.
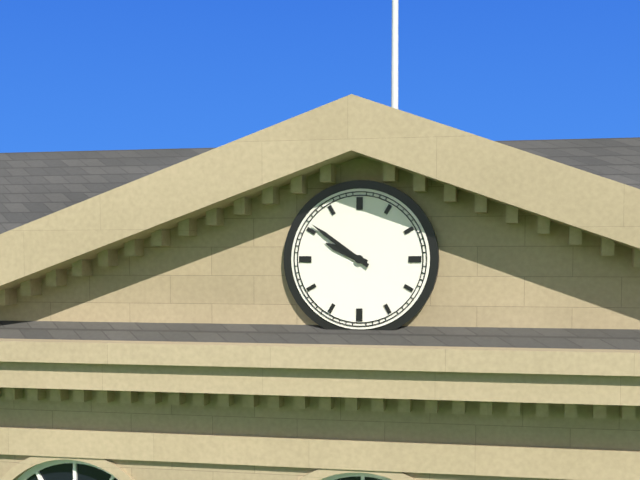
9h51
